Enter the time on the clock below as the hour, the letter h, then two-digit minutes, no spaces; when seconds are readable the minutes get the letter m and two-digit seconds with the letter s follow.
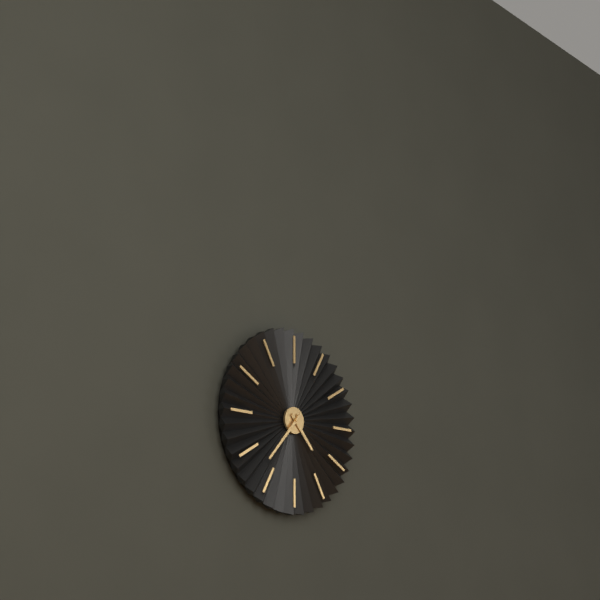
4h37
